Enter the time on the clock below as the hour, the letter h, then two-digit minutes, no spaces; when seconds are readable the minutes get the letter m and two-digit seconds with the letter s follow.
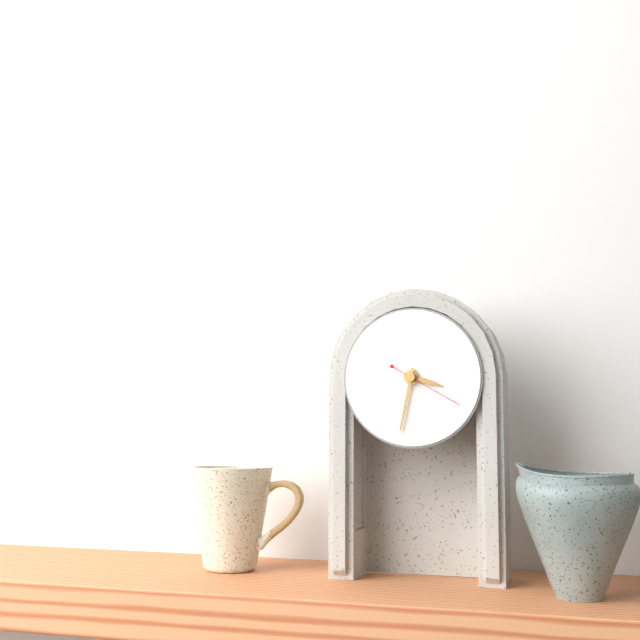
3h32m20s
